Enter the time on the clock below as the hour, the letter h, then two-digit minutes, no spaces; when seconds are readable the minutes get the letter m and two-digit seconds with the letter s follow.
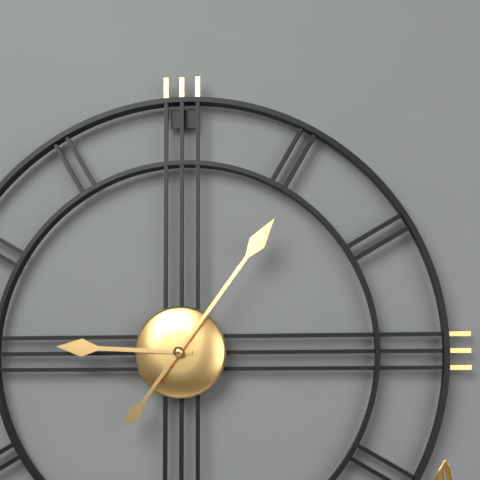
9h06
